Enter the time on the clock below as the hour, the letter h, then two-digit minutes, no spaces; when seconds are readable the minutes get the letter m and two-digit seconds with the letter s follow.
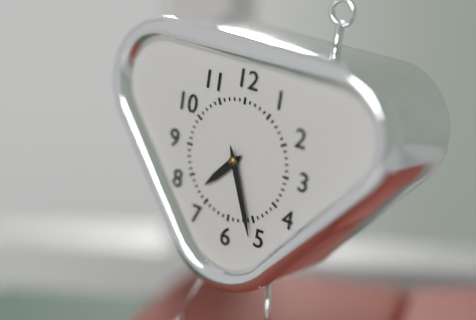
7h26
